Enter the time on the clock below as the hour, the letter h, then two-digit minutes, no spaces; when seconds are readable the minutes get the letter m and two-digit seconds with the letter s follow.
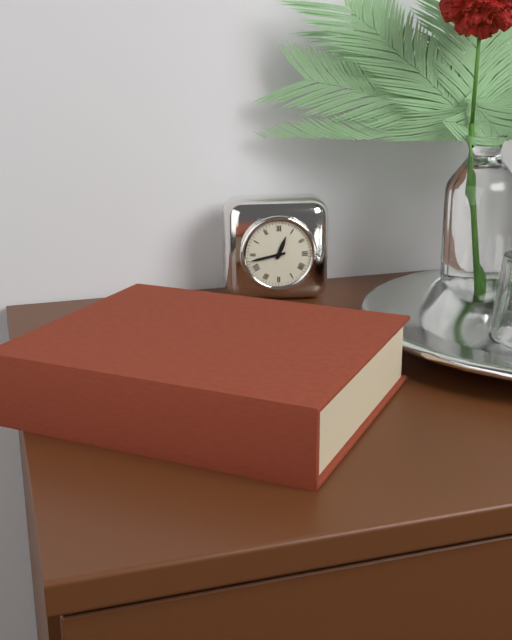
12h43
